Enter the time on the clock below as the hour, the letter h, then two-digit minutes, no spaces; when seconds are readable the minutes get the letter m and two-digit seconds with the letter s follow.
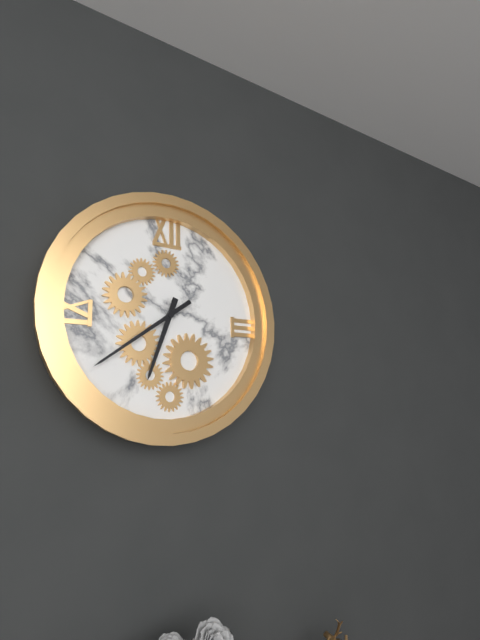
6h39
